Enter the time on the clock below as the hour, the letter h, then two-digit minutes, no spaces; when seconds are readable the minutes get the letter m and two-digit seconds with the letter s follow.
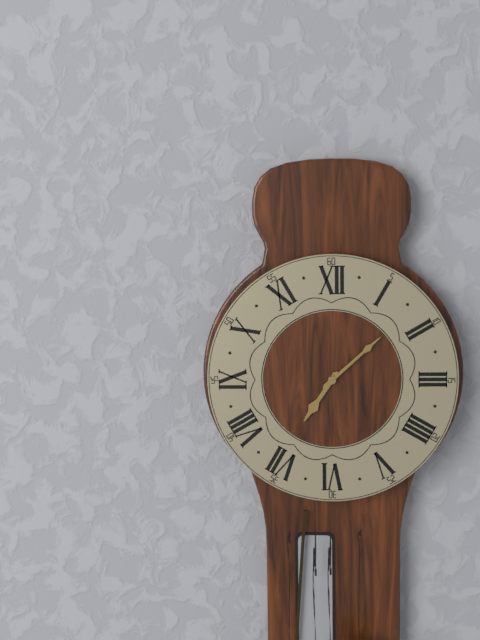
7h08
